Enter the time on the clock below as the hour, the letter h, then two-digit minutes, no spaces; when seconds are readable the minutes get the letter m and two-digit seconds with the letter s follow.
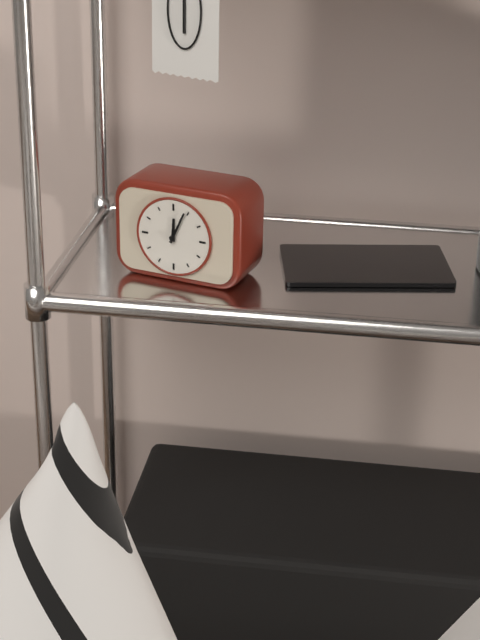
12h04
